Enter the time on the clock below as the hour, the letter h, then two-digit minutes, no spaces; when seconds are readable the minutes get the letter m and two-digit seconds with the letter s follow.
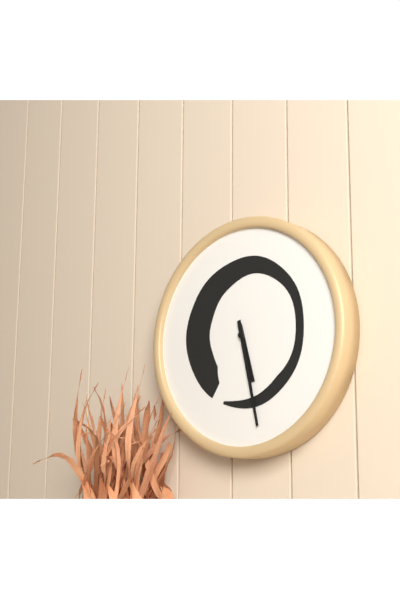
5h28
